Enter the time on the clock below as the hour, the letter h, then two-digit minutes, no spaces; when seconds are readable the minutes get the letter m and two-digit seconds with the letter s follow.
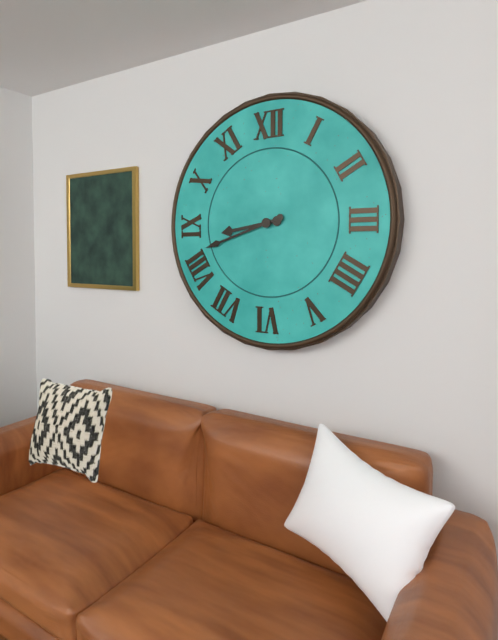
8h42
